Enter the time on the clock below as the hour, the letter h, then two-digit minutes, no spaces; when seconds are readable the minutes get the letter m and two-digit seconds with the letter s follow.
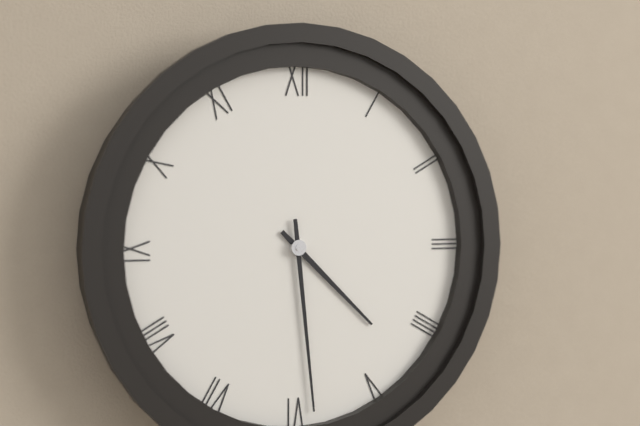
4h29
